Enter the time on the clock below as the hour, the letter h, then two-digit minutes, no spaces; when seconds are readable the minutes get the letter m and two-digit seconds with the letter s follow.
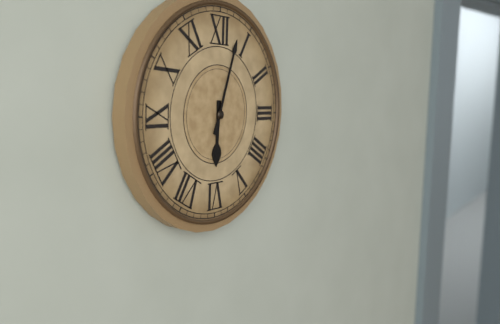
6h03
